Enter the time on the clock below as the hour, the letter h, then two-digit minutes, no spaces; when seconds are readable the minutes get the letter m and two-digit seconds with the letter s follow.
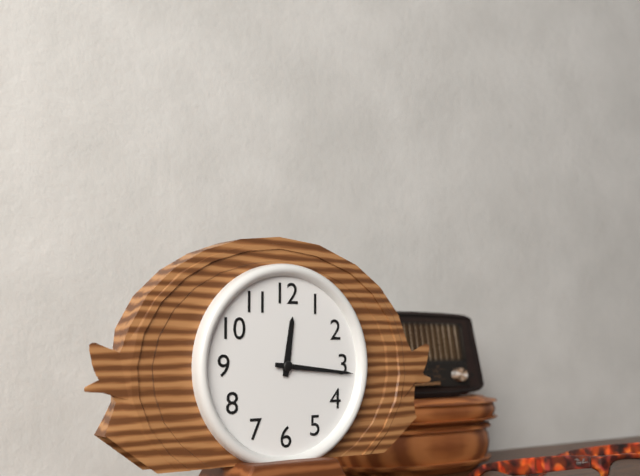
12h16
